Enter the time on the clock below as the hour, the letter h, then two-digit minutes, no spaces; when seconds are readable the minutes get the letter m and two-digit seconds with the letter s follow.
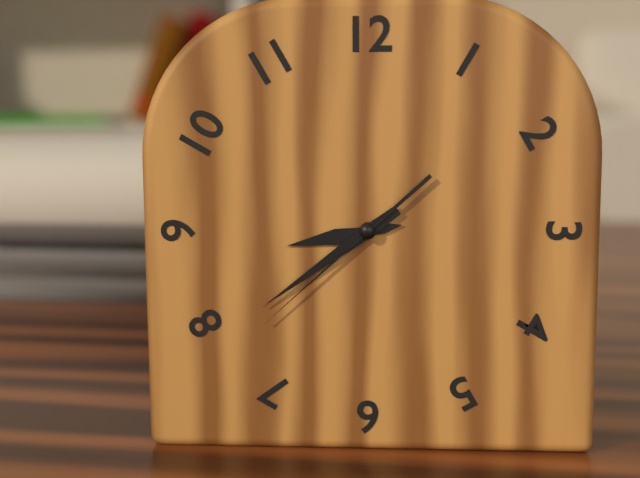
8h39m38s
